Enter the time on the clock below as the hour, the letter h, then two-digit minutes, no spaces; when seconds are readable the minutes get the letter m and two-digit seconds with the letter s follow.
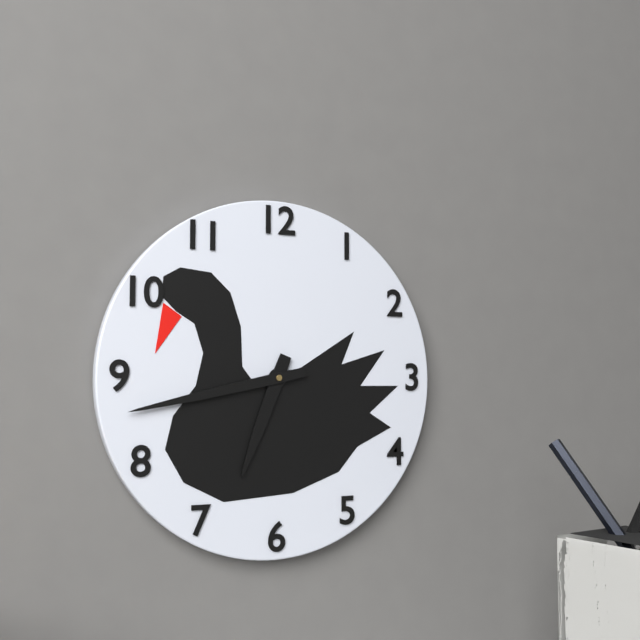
6h43
